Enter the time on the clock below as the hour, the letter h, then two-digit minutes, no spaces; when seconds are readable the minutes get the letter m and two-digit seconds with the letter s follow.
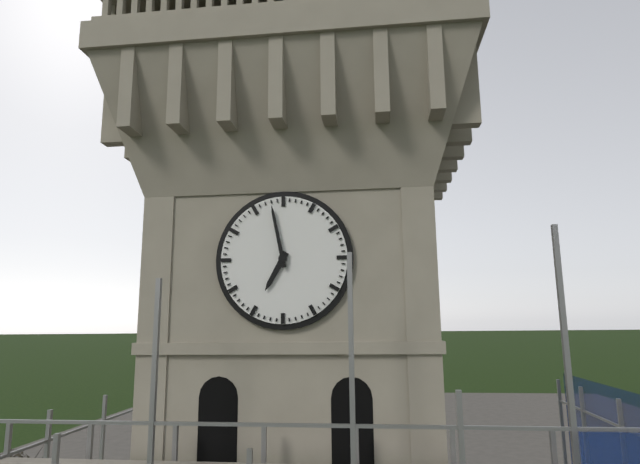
6h58
